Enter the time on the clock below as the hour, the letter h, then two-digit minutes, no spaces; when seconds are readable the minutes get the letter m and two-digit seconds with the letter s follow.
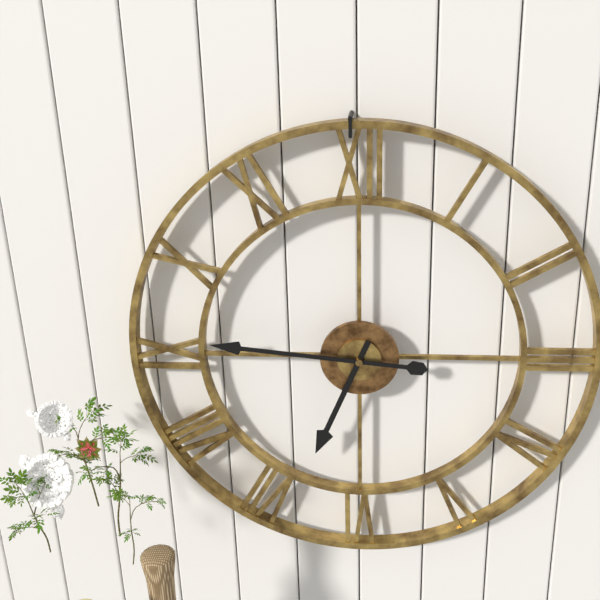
6h46
